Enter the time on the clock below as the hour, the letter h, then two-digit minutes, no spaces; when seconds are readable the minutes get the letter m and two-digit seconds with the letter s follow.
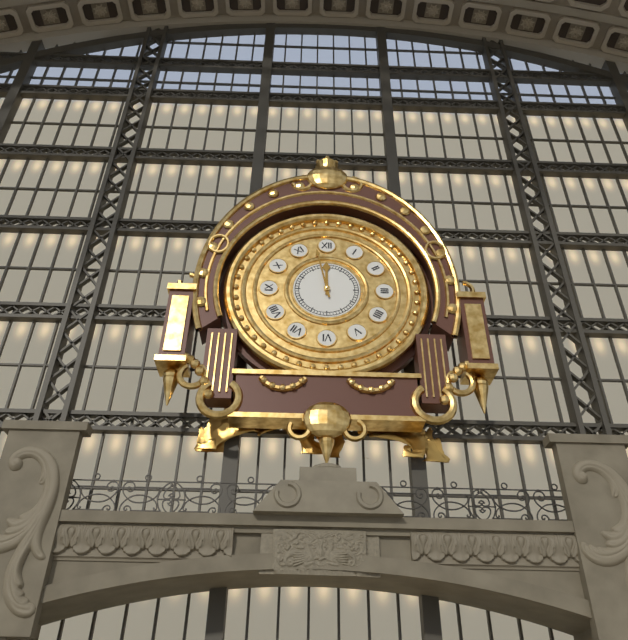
11h58
